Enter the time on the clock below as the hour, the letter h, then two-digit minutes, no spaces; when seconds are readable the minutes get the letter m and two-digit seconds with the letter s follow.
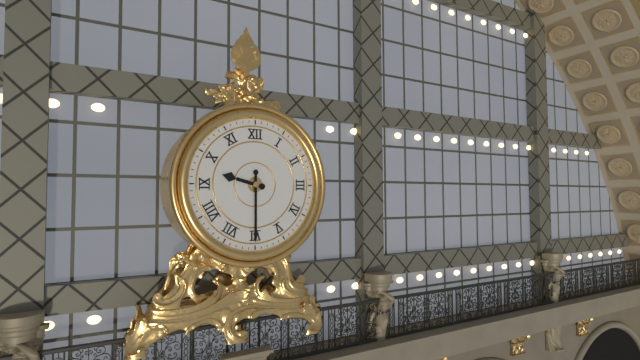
9h30
